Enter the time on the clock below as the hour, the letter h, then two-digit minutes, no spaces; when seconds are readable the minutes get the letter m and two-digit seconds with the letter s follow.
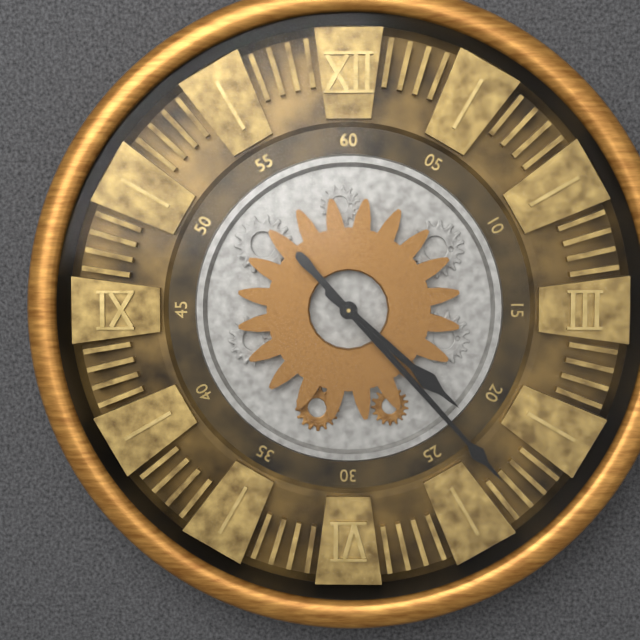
4h23
